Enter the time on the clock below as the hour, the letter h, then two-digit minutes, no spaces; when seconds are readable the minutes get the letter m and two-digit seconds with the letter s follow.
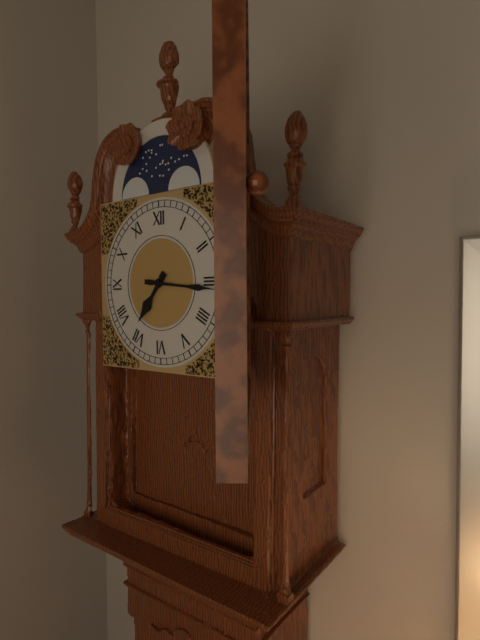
7h16
